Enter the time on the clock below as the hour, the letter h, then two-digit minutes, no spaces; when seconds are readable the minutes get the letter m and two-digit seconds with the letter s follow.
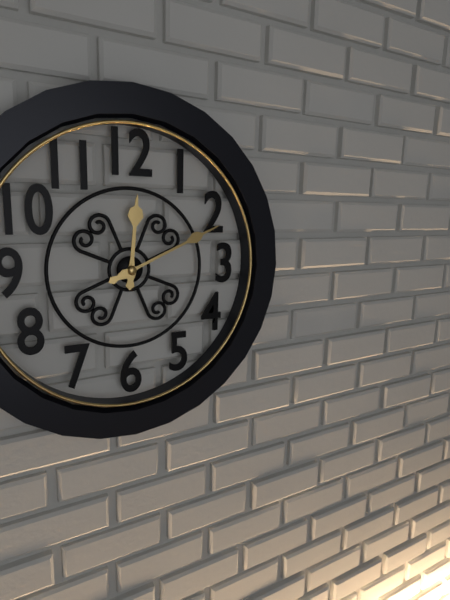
12h11
